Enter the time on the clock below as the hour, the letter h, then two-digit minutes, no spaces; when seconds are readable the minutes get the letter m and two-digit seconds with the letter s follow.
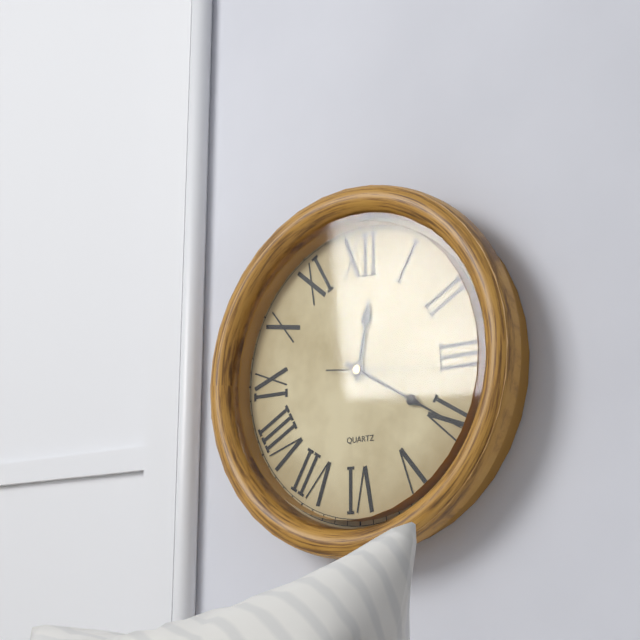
12h20m16s
